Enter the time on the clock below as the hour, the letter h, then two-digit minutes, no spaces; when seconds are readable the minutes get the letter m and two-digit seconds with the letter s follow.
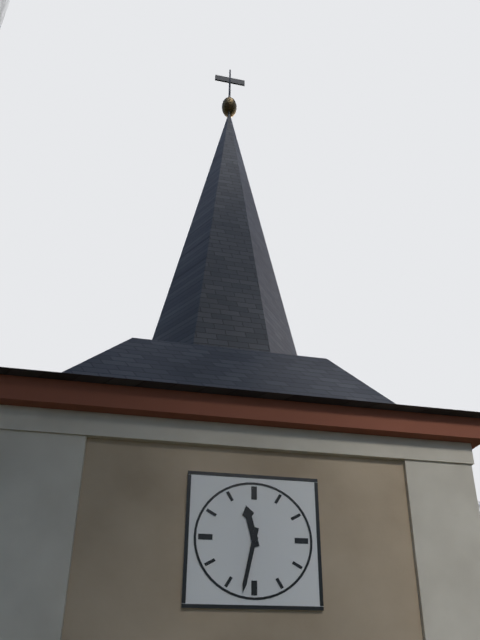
11h32
